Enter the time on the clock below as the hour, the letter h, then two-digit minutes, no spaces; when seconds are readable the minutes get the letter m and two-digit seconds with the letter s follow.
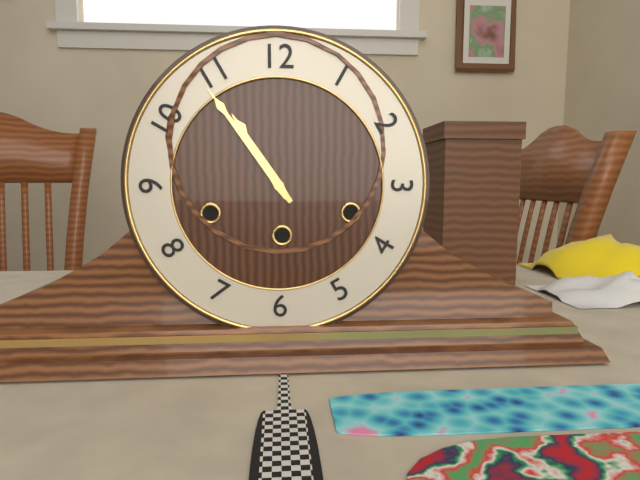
10h54
